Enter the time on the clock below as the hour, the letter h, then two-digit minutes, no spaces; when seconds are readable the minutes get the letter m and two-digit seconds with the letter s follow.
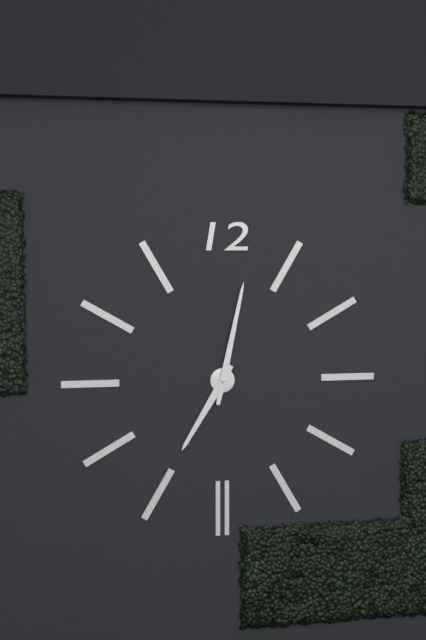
7h02
